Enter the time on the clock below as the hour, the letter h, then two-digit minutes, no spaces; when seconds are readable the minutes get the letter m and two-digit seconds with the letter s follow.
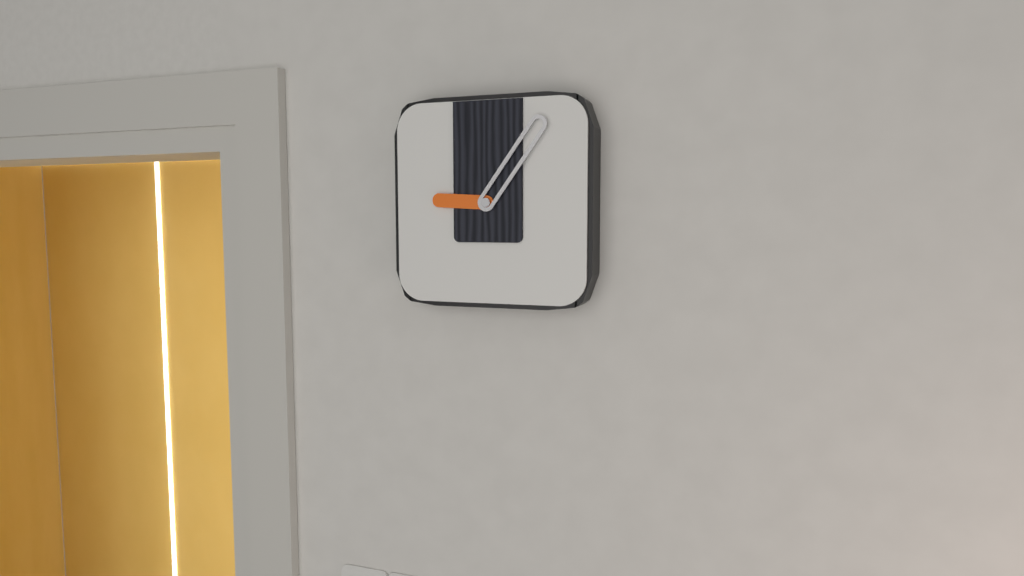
9h06
